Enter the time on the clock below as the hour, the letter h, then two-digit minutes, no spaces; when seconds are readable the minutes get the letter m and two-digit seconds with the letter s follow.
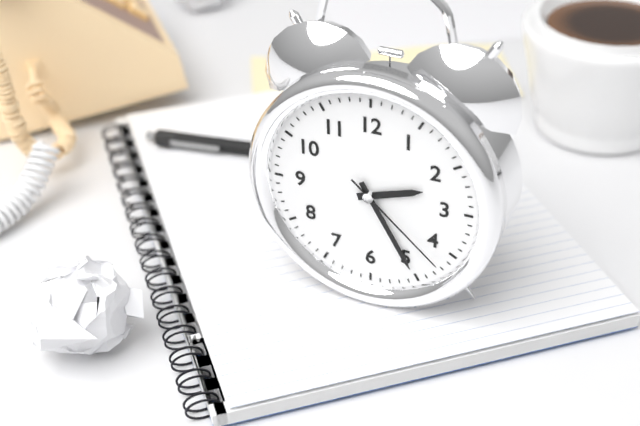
2h25m22s
